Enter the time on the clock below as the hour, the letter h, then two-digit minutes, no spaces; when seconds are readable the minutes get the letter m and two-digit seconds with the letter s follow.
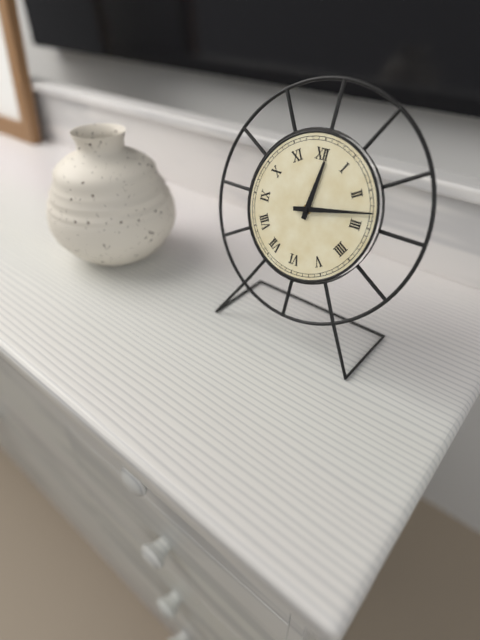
12h13
